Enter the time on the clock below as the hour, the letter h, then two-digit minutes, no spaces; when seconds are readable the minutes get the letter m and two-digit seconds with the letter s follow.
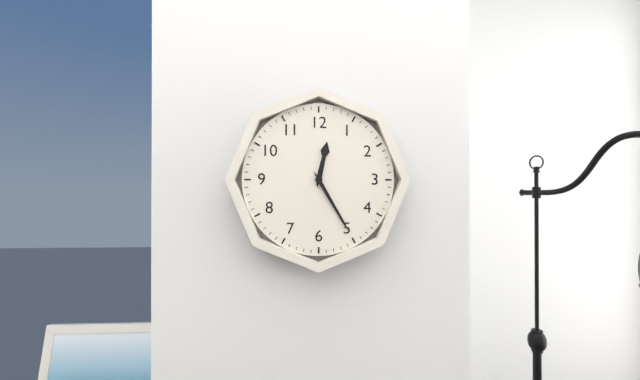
12h25
